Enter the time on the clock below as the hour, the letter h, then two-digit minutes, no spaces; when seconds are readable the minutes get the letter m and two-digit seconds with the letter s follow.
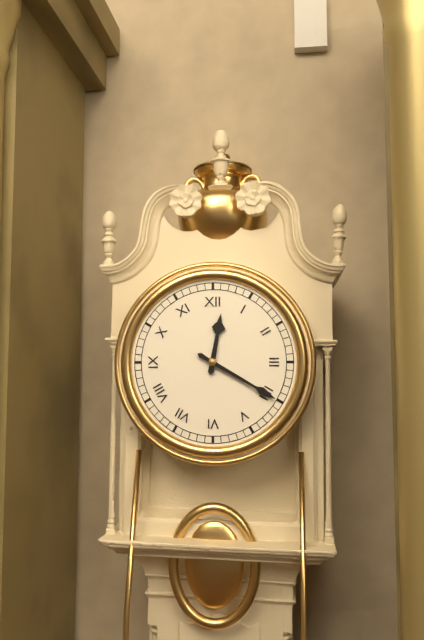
12h20
